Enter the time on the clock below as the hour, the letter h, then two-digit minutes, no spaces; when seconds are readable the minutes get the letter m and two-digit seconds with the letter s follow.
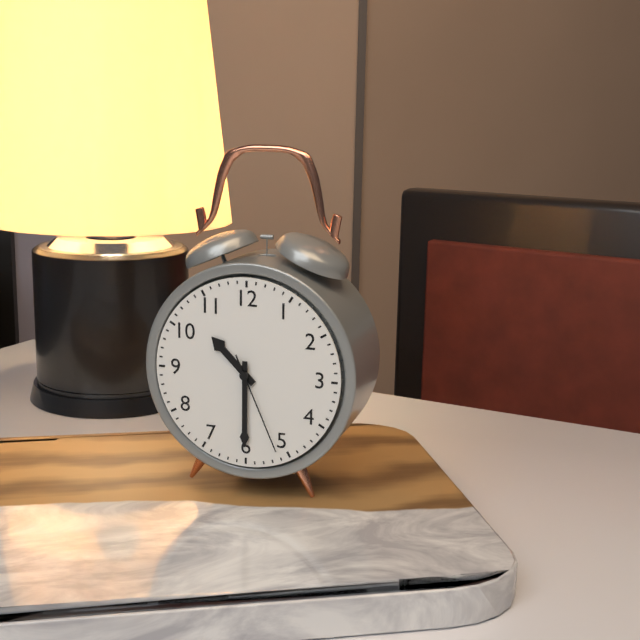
10h30m26s
